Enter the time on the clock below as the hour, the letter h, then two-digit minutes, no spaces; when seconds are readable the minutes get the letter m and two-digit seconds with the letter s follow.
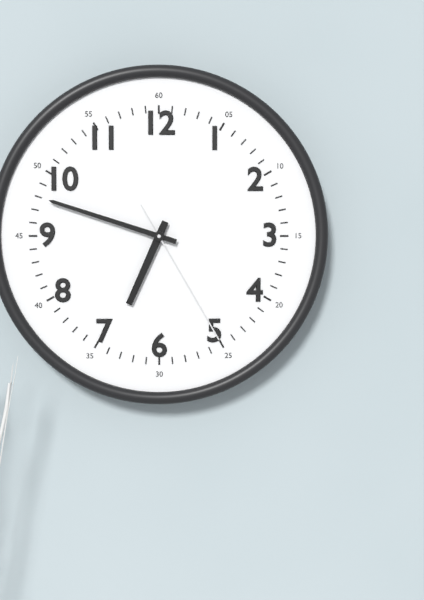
6h48m25s
